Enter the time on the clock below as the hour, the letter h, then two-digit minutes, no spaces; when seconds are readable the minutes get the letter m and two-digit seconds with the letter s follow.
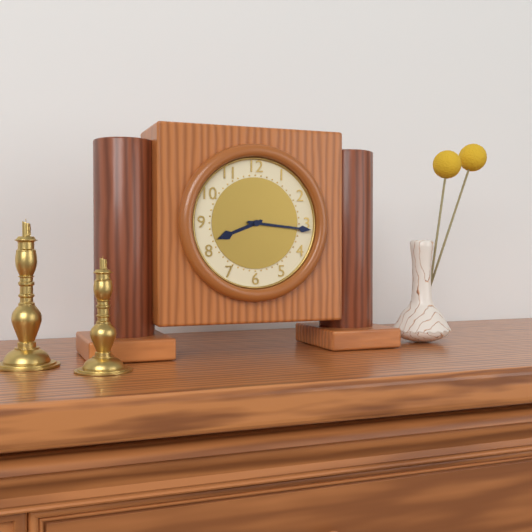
8h16
